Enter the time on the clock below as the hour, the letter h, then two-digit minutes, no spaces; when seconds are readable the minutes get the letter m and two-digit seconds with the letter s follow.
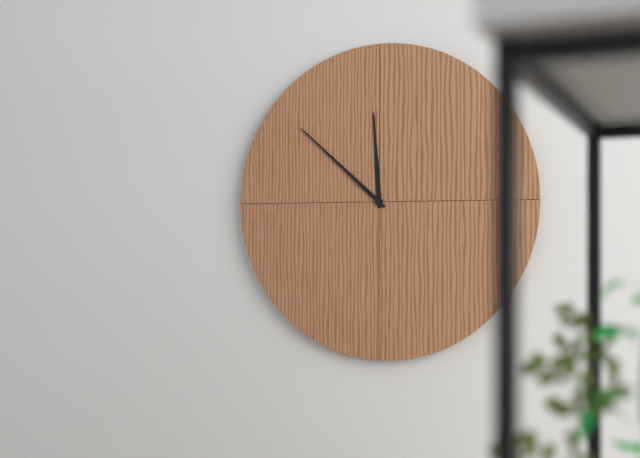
11h52
